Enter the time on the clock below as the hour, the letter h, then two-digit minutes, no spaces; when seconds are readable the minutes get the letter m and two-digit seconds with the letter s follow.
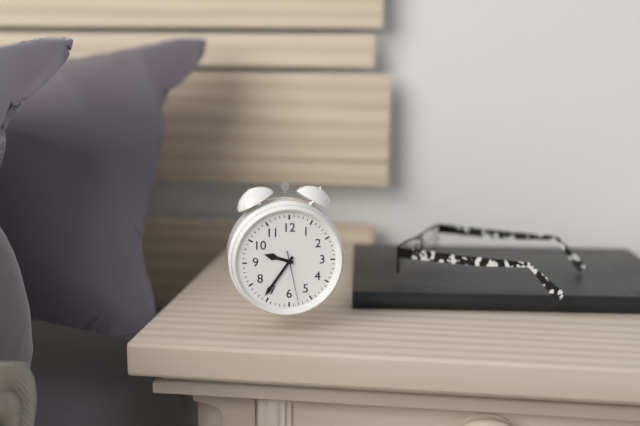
9h36m28s
